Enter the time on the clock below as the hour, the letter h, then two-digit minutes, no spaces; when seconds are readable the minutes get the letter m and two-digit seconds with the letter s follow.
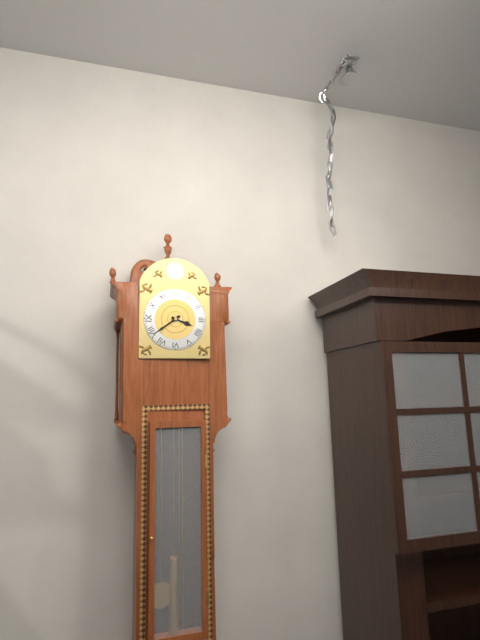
3h39
